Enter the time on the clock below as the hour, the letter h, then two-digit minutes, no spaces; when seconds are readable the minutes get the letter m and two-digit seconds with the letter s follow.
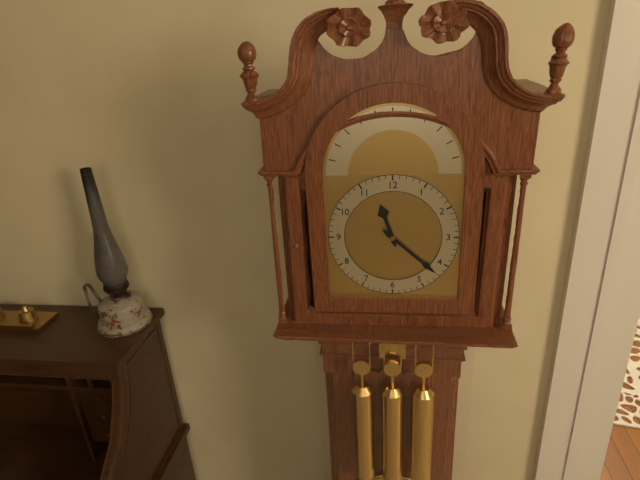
11h22
